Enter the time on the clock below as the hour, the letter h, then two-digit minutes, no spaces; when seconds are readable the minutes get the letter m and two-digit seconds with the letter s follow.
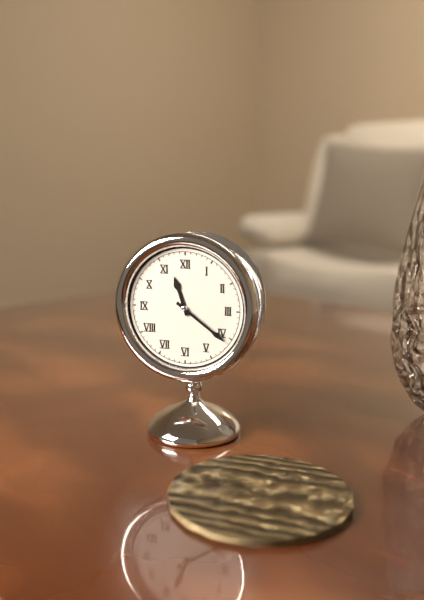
11h21
